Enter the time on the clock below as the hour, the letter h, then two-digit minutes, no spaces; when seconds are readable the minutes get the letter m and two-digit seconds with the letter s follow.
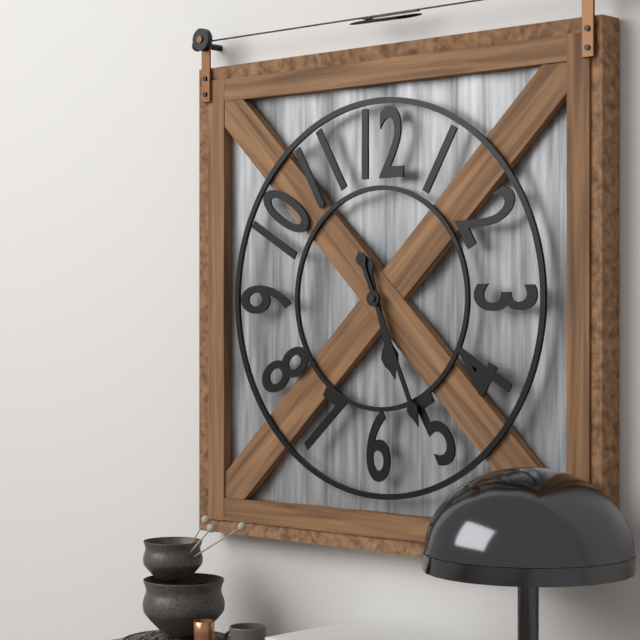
5h26
